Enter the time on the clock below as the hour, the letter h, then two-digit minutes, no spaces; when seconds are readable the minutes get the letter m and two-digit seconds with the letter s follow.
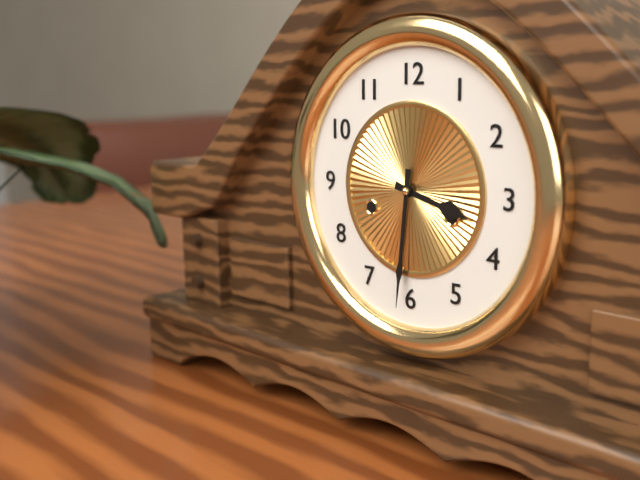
3h31
